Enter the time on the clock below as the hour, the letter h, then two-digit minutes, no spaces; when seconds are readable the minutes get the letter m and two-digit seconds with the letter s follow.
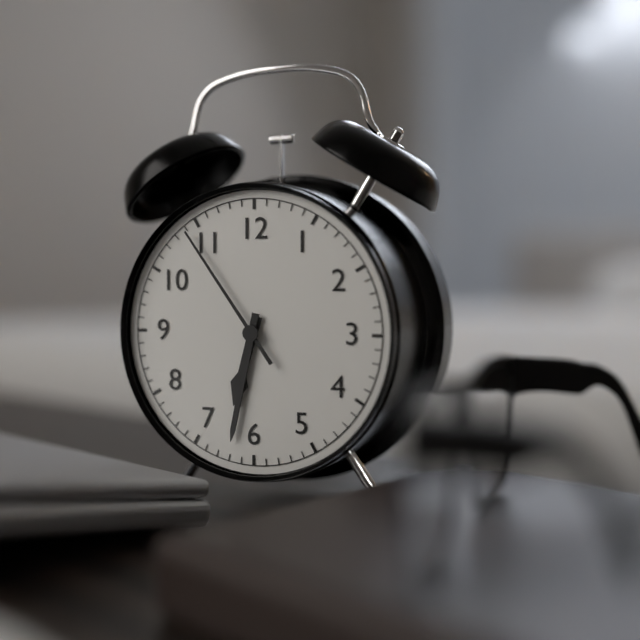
6h32m54s
